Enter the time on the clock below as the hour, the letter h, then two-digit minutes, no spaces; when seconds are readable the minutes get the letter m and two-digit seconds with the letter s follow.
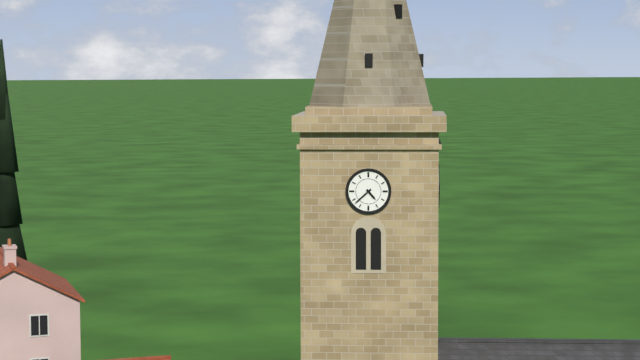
4h38
